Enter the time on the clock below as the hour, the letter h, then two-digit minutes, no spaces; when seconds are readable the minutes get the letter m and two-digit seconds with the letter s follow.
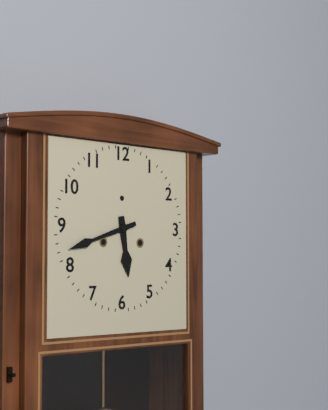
5h42
